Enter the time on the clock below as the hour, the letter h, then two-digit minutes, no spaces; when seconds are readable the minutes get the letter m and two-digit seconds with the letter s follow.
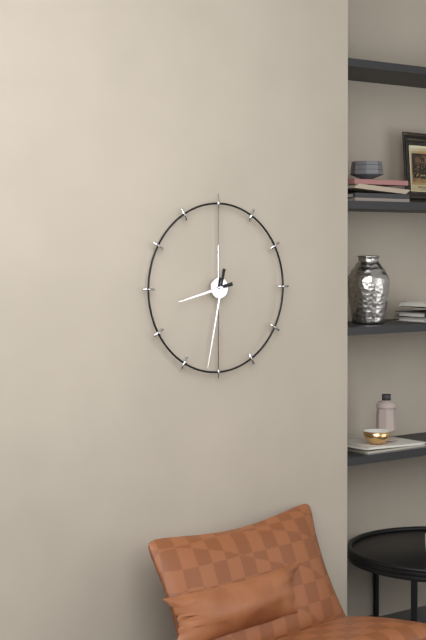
8h32
